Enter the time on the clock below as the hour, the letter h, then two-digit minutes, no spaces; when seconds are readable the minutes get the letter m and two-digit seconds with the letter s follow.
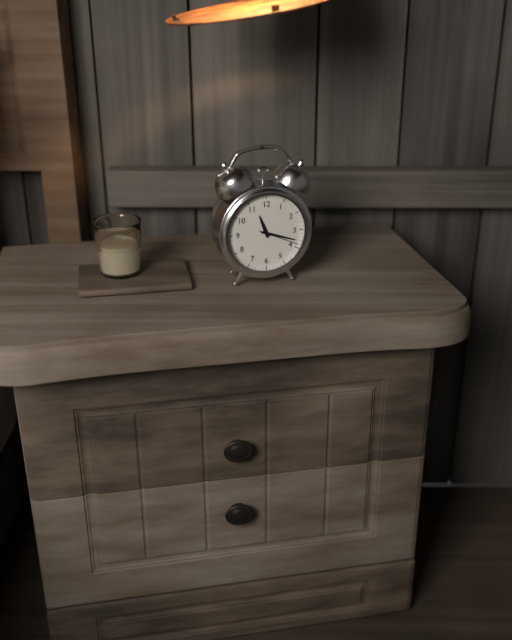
11h18
